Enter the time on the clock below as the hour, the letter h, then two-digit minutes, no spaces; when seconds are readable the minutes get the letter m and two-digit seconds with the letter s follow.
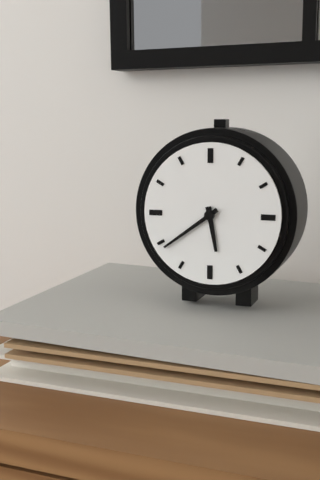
5h39
